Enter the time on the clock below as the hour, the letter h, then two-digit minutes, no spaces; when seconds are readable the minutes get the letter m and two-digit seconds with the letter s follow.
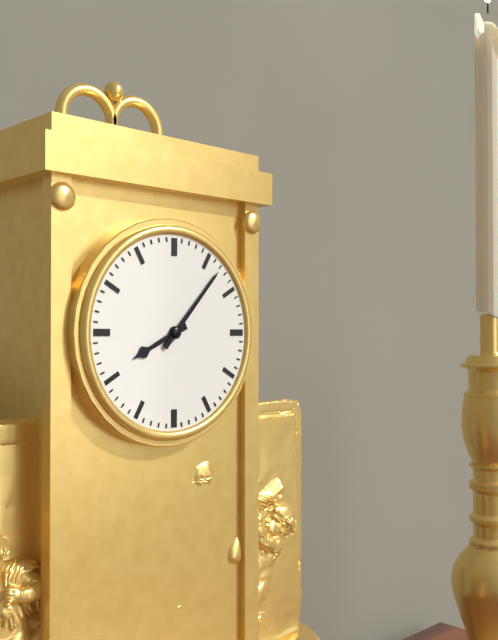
8h07
